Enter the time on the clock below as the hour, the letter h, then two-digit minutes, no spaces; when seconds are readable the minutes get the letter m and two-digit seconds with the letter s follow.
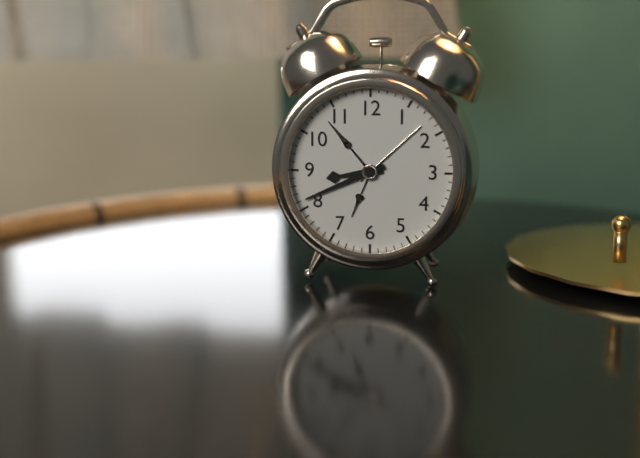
8h41
